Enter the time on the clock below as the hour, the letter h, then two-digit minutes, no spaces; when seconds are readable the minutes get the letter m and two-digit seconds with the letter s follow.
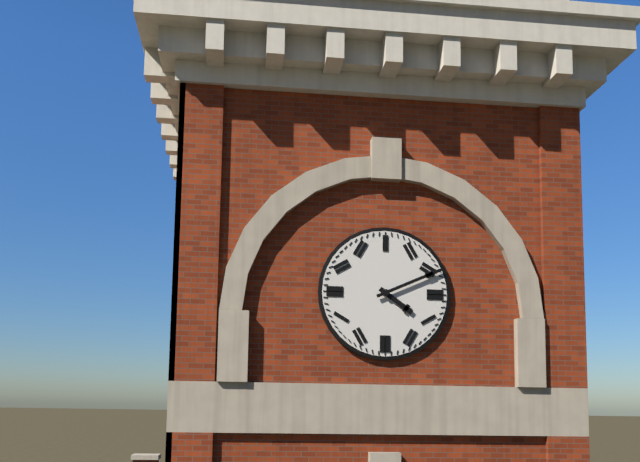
4h11
